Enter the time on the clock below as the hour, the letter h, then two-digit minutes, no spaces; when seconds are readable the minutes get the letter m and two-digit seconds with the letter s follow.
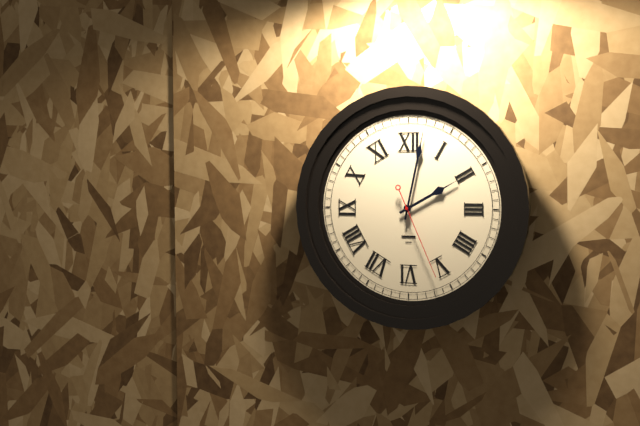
2h02m26s
